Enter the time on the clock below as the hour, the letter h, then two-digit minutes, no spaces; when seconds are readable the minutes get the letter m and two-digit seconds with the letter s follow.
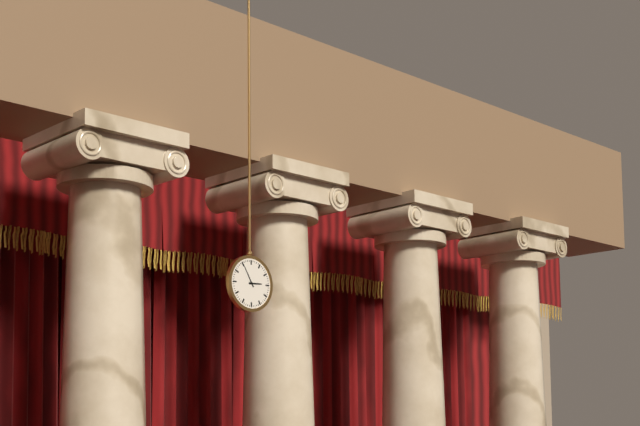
2h55
